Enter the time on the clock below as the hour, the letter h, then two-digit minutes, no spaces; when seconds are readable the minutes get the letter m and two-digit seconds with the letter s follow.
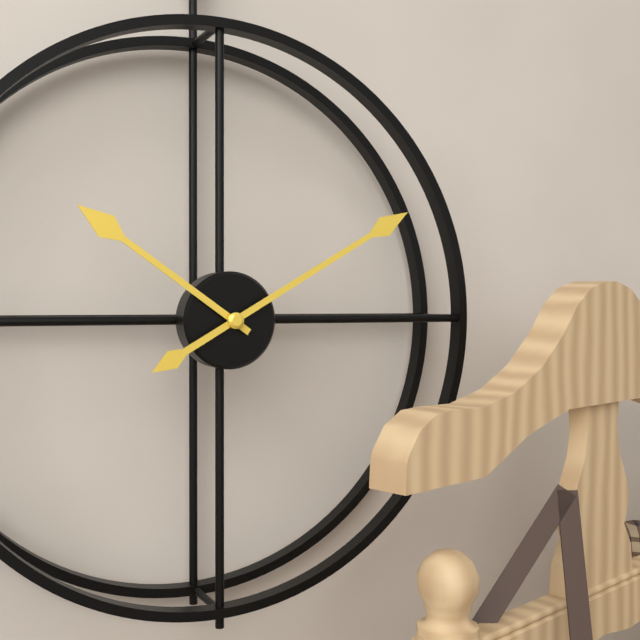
10h10
